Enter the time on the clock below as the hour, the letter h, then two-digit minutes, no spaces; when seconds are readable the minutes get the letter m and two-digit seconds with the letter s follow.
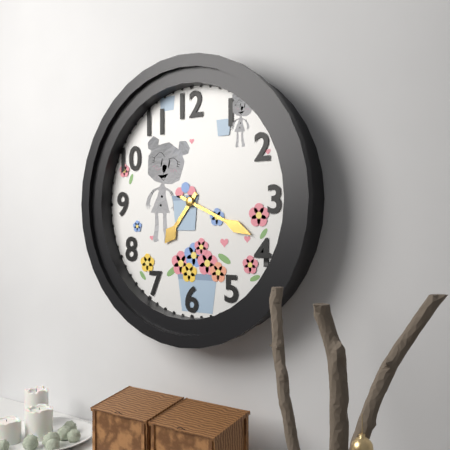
7h19
